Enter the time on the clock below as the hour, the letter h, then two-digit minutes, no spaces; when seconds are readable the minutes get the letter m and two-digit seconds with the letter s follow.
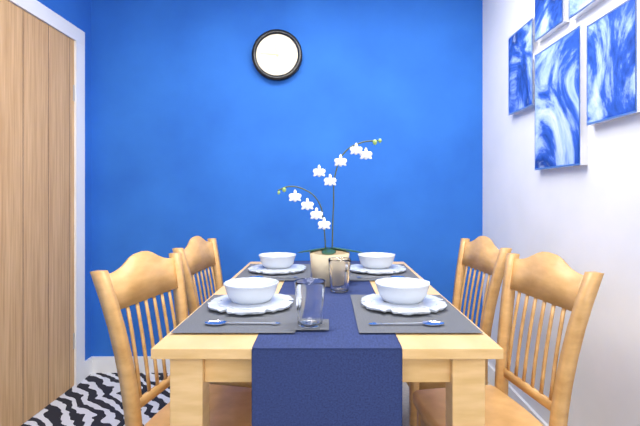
11h46
